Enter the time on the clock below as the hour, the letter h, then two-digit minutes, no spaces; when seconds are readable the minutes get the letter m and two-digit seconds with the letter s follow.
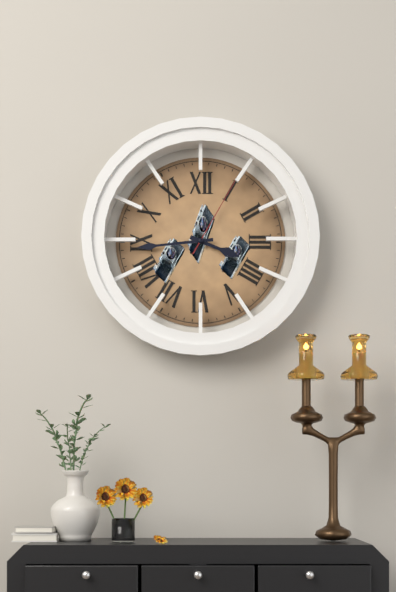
3h44m05s
